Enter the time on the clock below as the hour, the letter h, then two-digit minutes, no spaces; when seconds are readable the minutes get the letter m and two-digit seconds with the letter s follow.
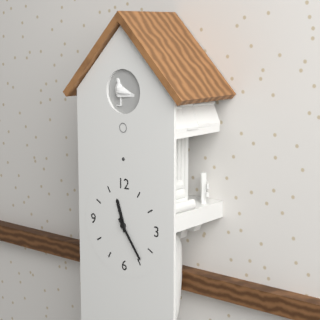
11h24
